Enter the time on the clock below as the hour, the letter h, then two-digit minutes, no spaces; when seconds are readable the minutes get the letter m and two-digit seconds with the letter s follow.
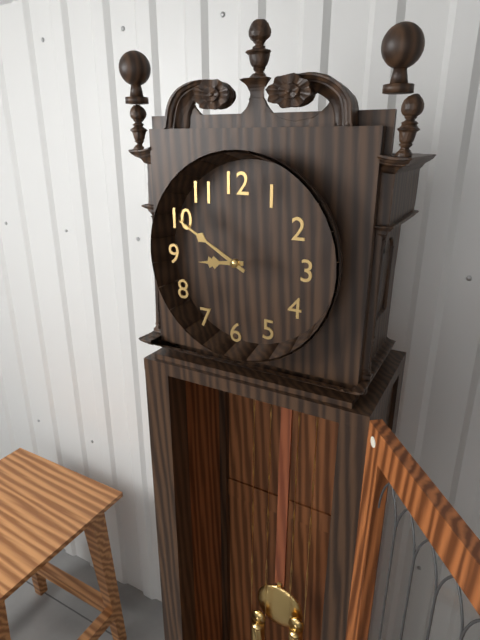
8h50
